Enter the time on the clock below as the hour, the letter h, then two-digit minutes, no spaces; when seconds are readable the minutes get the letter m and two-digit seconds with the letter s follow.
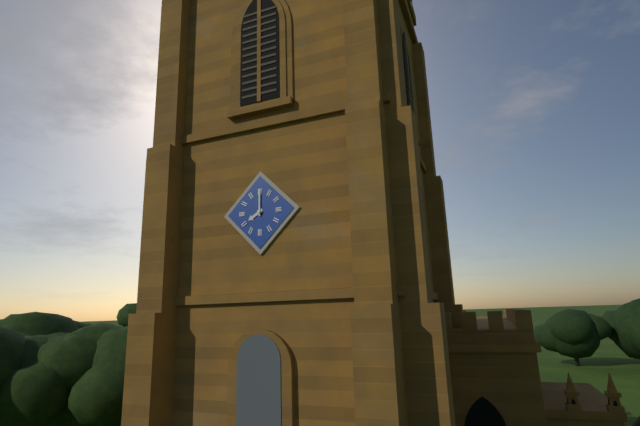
8h00
